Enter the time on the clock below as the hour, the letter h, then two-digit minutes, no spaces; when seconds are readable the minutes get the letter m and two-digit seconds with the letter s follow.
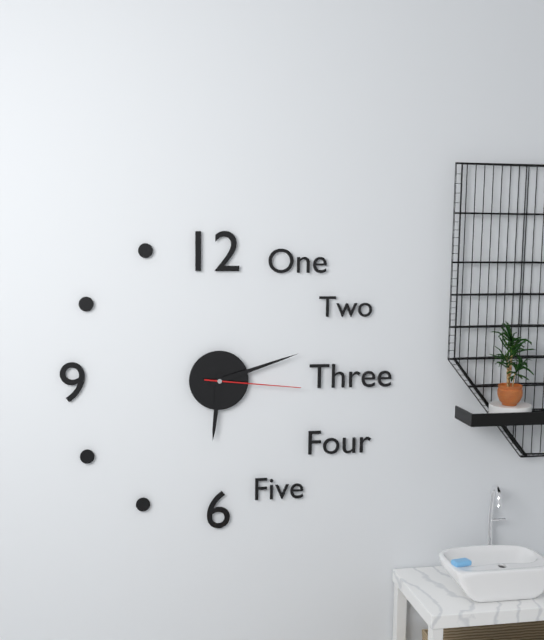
6h12m16s
